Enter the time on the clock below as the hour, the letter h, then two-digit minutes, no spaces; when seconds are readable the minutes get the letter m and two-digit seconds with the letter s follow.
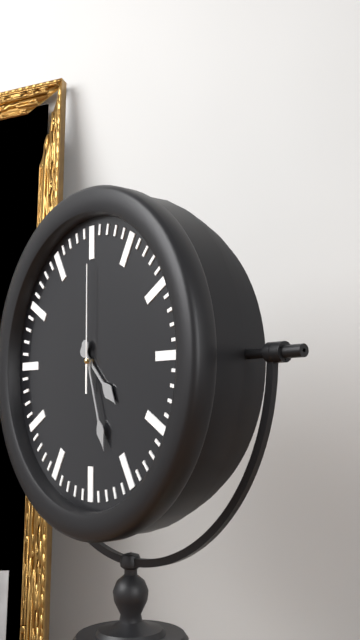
4h27m00s
